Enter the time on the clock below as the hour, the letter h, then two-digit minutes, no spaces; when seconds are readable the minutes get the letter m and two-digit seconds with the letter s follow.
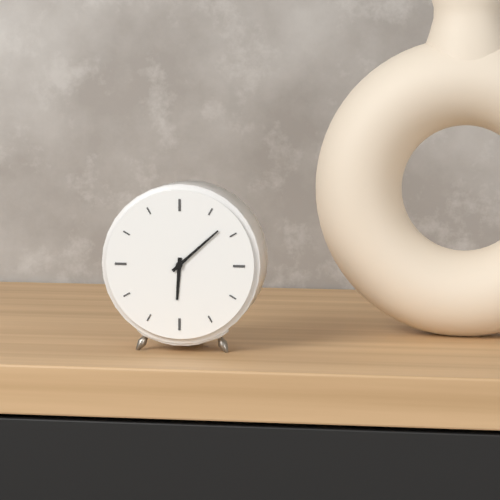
6h08
